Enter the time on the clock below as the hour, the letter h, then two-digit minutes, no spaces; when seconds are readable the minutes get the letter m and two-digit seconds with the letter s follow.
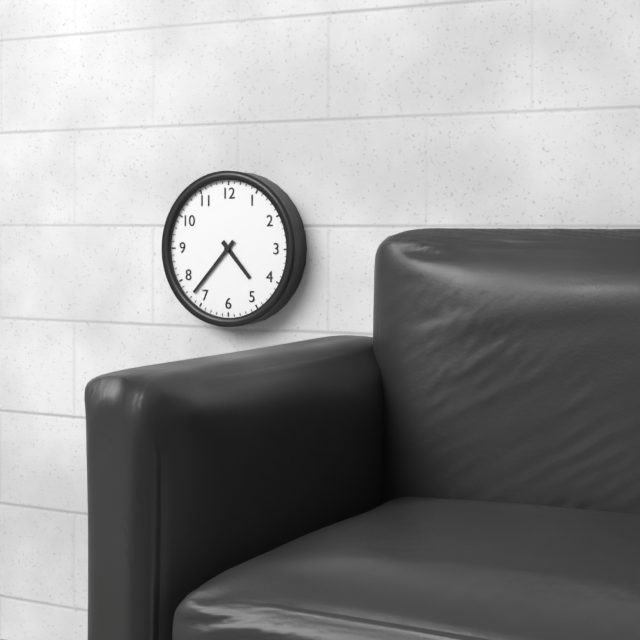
4h37
